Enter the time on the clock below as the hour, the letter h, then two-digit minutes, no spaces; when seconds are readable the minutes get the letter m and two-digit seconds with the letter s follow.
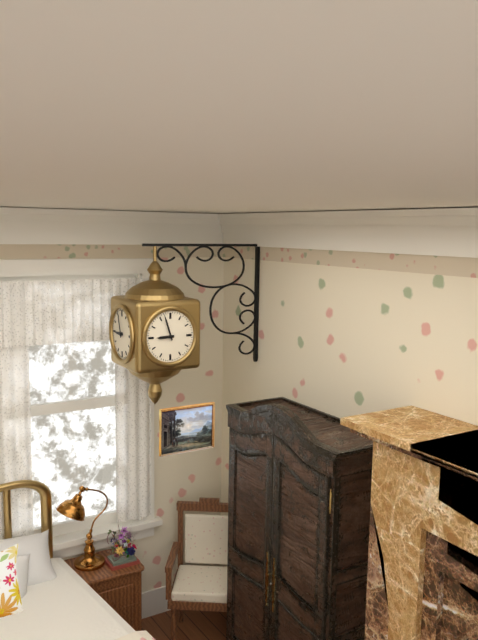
8h57
